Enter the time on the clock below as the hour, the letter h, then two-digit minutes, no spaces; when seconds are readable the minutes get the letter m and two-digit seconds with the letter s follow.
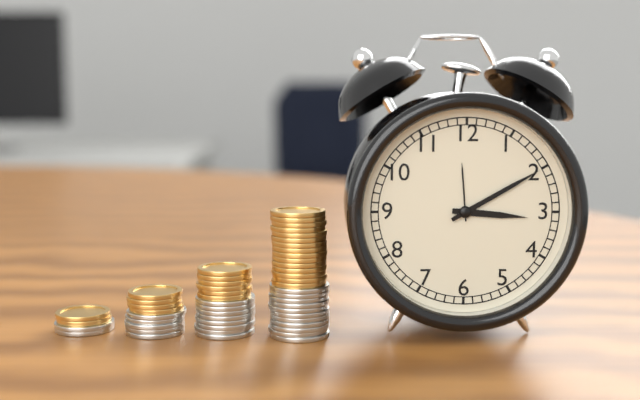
3h10
